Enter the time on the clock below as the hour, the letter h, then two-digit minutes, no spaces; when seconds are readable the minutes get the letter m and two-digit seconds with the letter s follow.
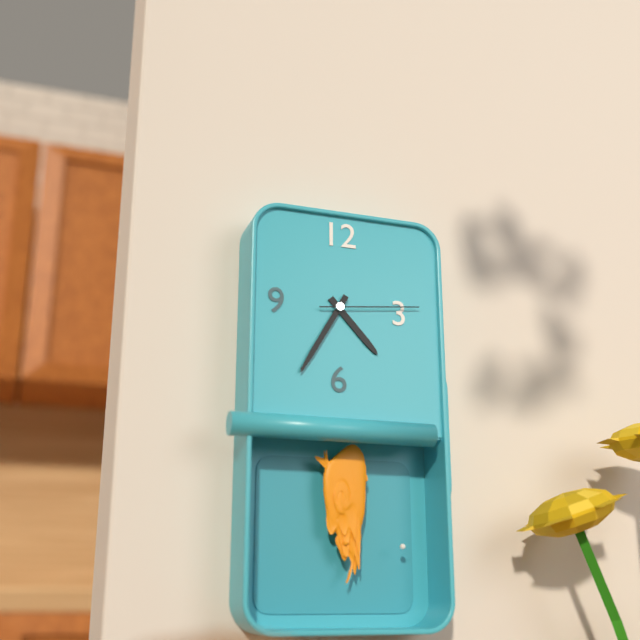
4h35m14s
